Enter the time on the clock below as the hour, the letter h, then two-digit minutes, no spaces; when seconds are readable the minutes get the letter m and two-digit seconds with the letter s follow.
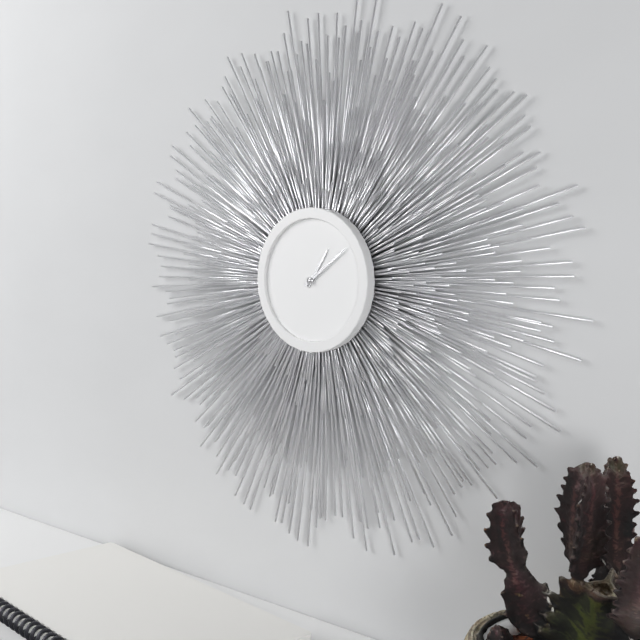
1h09
